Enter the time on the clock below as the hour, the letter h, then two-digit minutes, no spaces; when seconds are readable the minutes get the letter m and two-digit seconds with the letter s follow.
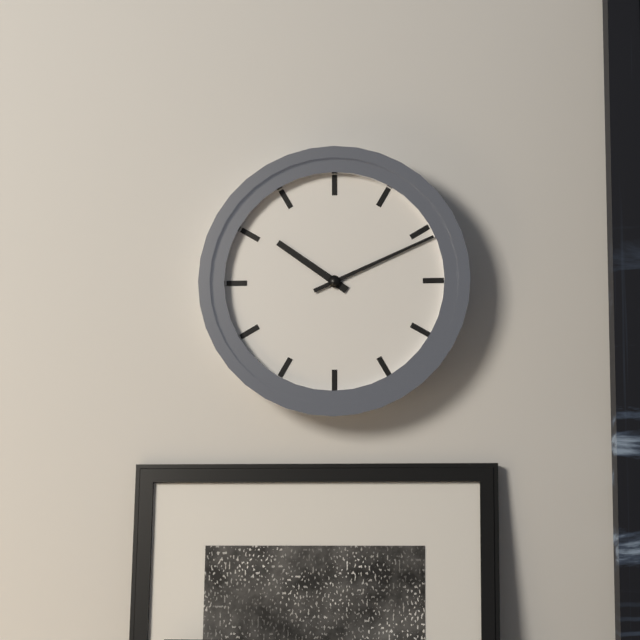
10h11
